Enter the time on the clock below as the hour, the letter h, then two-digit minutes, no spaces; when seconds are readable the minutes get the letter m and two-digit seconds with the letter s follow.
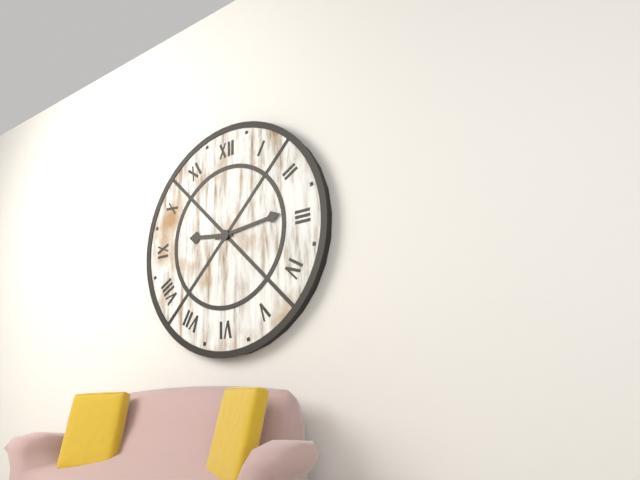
9h14
